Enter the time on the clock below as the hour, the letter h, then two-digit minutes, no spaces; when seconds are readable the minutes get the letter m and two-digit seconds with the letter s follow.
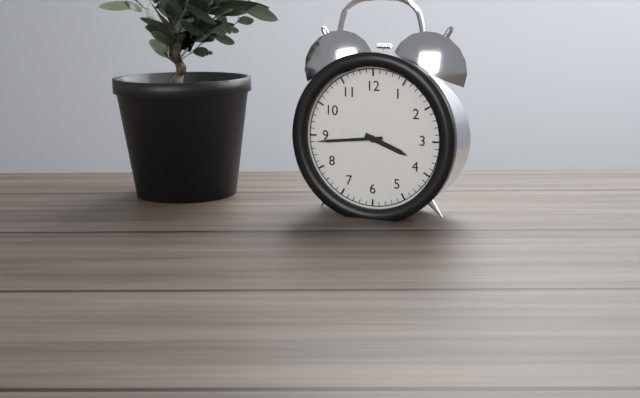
3h44
